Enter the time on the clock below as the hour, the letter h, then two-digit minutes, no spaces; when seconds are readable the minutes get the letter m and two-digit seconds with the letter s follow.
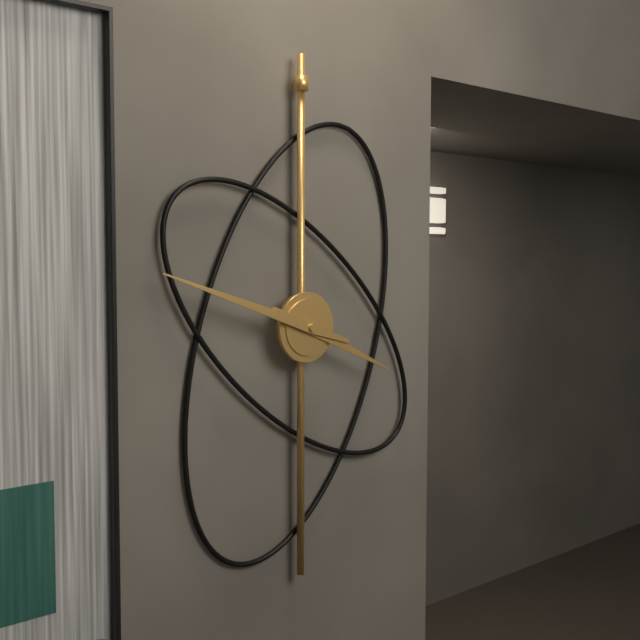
3h48
